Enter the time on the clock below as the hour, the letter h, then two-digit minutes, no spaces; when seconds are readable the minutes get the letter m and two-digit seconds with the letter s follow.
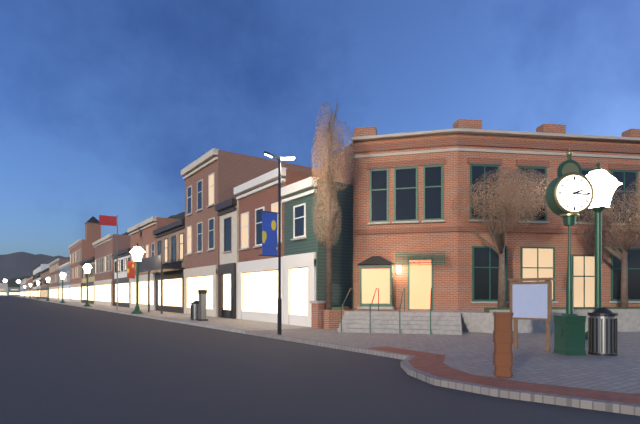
2h16
